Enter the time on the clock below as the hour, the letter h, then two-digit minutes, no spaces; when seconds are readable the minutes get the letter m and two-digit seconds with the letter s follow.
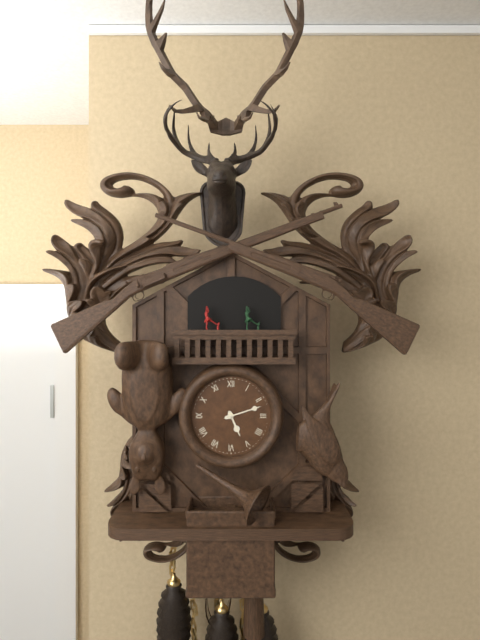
5h12
